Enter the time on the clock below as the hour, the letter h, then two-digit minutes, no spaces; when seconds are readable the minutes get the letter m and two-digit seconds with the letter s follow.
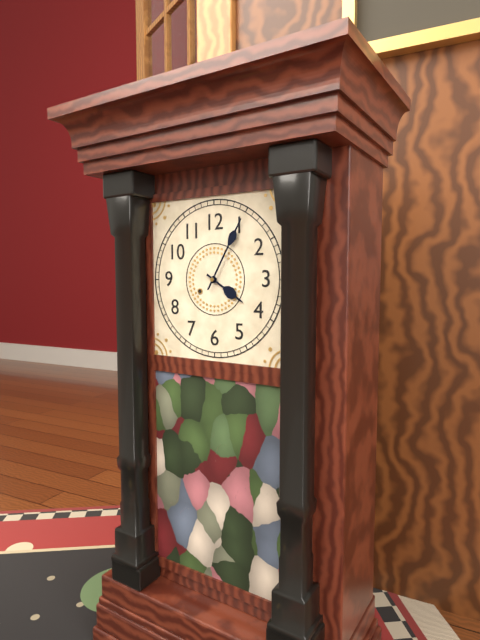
4h05
